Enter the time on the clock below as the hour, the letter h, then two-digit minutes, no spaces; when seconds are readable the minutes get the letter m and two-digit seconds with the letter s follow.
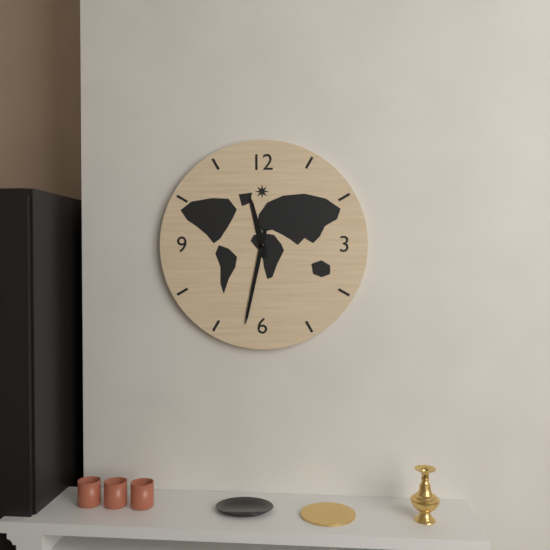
11h32
